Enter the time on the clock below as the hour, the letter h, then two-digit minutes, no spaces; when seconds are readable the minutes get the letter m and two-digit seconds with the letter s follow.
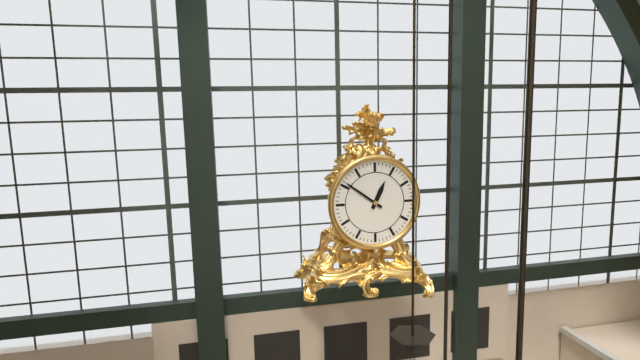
12h51
